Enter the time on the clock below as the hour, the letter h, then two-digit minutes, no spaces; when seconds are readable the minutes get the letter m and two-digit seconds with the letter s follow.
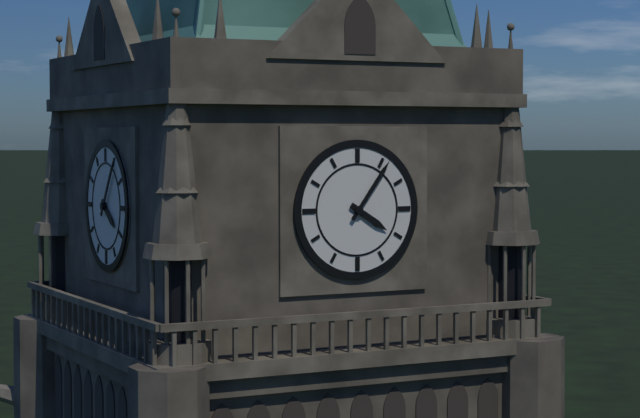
4h06
